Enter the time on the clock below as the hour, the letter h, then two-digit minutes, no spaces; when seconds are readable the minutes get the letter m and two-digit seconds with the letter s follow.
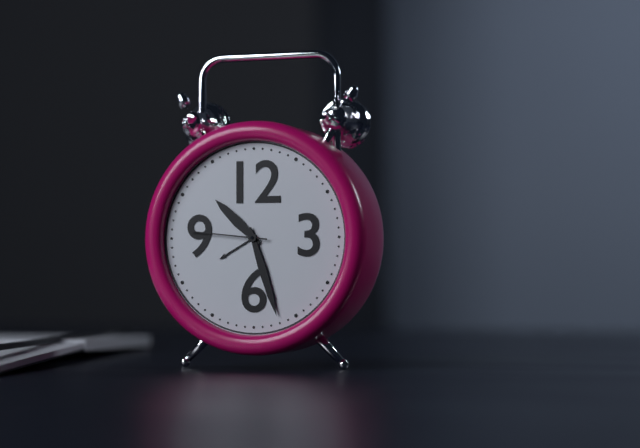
10h27m46s
